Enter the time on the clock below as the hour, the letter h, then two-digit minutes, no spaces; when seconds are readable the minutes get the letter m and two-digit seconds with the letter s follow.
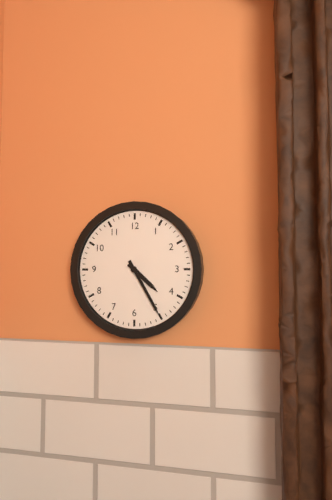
4h25
